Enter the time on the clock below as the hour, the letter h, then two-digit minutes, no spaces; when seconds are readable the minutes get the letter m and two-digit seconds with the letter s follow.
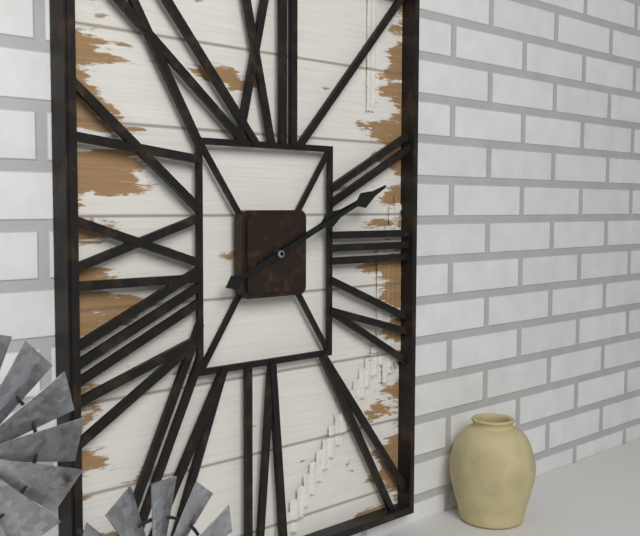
2h11
